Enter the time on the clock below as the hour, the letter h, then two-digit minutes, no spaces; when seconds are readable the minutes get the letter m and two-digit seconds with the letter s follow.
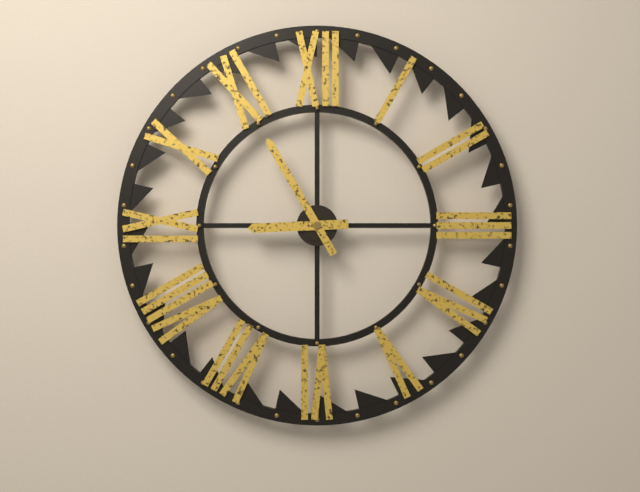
8h55
